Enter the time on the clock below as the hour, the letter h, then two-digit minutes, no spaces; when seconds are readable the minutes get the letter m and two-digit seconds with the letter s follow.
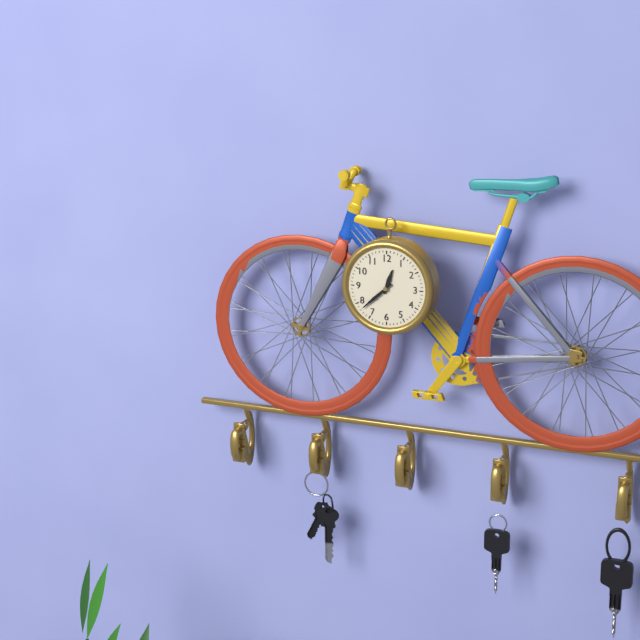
12h38
